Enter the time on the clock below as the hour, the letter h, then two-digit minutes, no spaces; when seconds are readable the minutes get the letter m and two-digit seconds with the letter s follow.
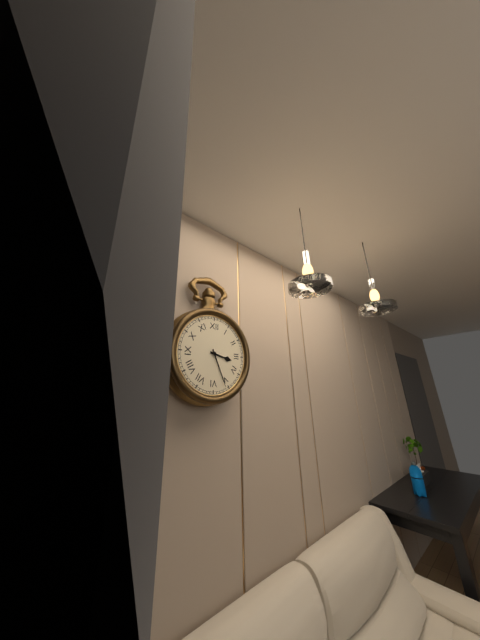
3h26
